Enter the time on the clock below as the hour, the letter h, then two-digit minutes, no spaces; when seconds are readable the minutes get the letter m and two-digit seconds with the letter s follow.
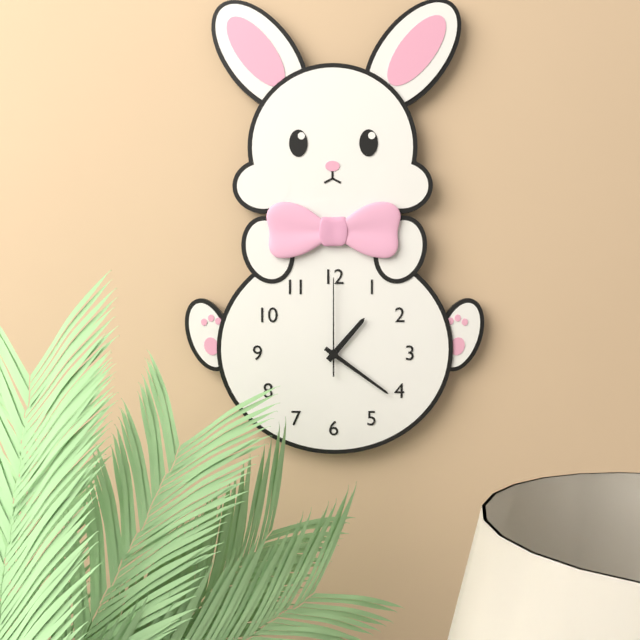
1h21m00s
